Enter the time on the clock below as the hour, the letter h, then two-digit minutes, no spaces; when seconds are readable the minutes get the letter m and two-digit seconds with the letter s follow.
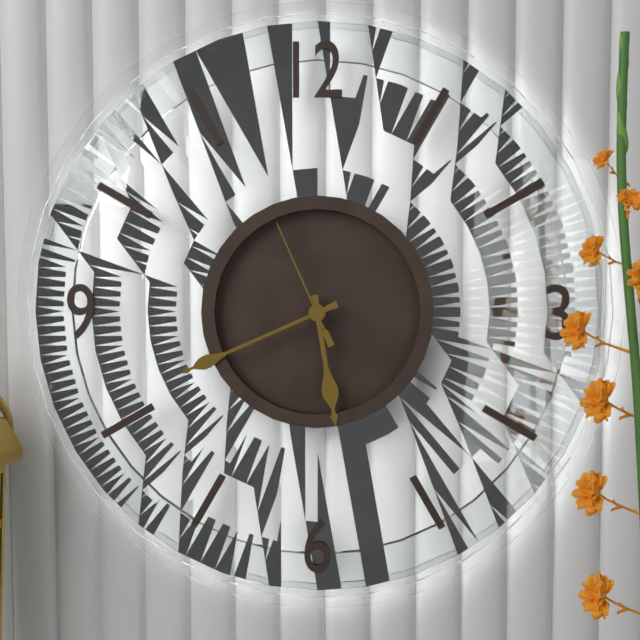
5h41m56s
